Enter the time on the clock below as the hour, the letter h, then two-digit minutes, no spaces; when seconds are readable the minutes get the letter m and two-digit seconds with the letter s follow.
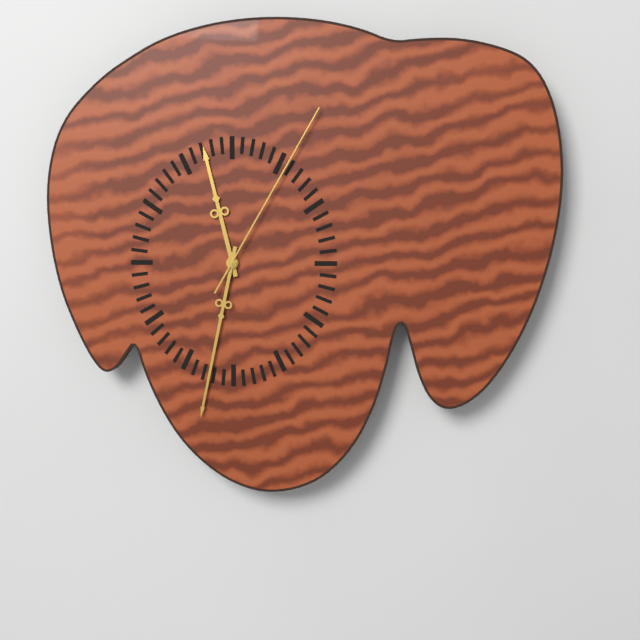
11h32m05s
